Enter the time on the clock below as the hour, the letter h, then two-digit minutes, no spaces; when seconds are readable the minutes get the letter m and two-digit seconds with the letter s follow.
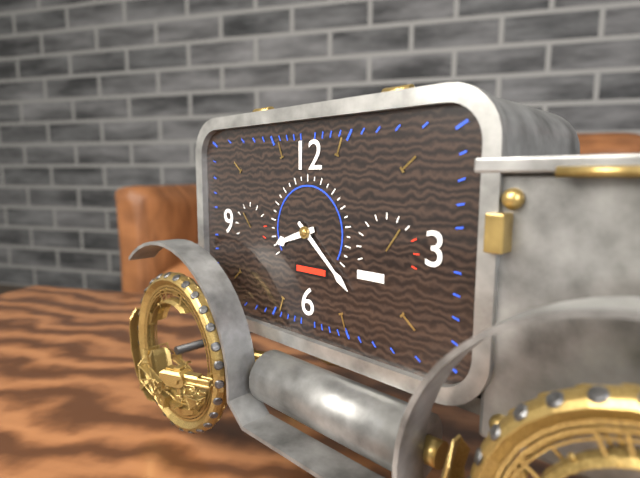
8h22
